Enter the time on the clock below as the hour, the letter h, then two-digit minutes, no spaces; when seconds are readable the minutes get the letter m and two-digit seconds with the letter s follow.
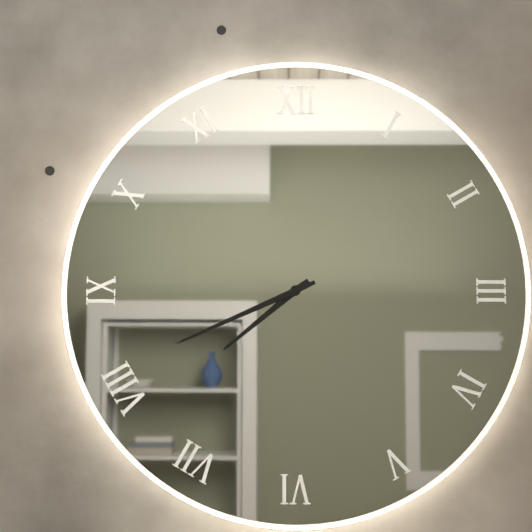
7h41
